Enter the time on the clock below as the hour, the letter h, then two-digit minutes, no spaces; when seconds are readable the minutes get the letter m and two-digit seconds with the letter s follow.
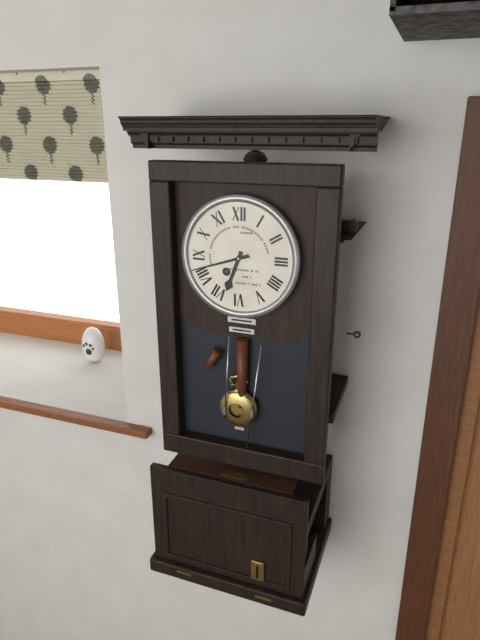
6h42
